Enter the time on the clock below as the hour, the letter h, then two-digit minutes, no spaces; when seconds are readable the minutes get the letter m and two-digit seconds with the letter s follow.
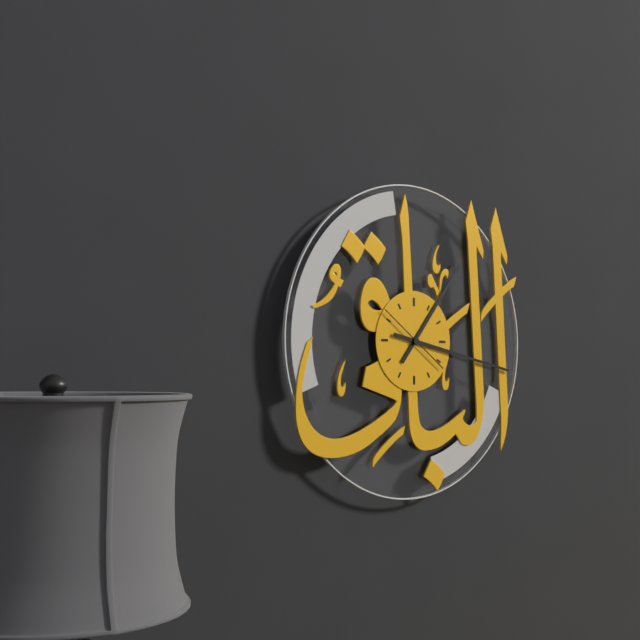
1h17
